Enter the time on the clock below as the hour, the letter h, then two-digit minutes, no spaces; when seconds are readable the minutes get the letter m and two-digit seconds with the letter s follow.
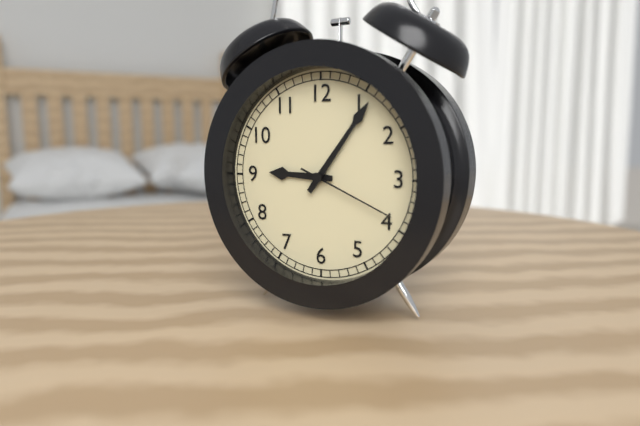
9h06m19s
